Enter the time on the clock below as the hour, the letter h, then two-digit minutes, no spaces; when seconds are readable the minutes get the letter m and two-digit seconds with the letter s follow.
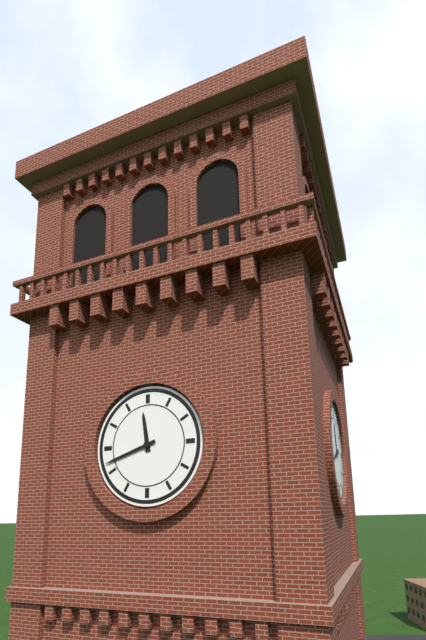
11h42
